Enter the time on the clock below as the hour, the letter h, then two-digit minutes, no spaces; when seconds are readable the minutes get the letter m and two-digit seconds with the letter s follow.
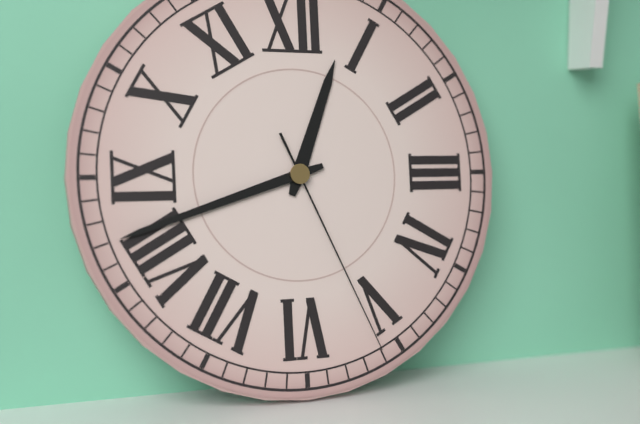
12h42m26s
